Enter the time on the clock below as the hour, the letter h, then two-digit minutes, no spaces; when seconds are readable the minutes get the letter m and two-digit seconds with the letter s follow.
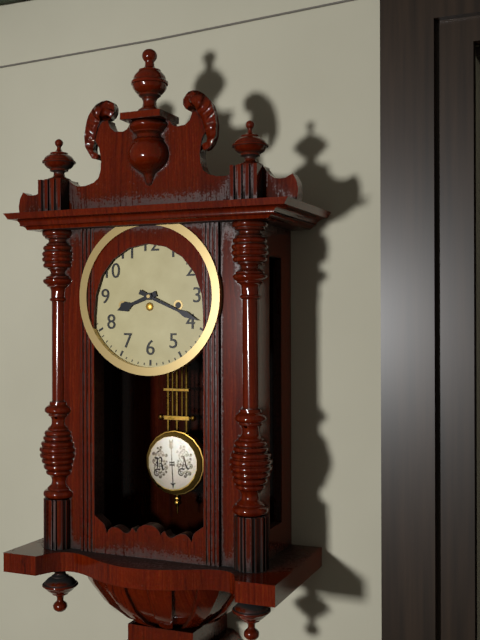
8h19
